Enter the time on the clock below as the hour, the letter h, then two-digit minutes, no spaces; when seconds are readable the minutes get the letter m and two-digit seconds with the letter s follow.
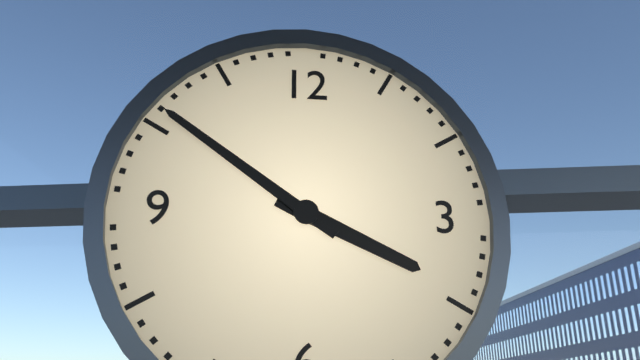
3h51
